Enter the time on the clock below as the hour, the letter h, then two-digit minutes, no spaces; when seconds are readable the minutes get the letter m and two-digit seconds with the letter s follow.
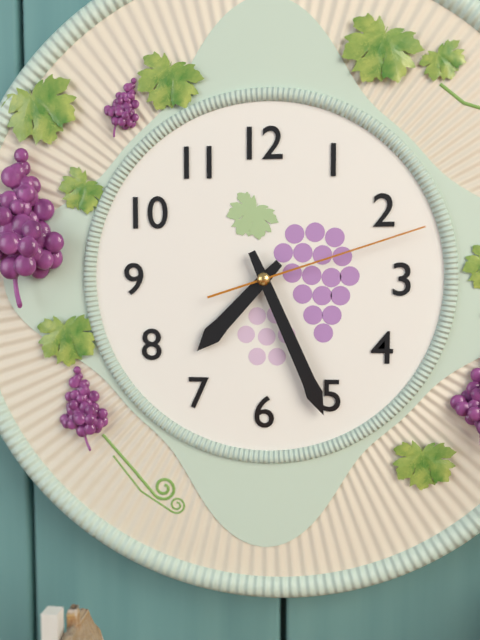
7h26m12s
